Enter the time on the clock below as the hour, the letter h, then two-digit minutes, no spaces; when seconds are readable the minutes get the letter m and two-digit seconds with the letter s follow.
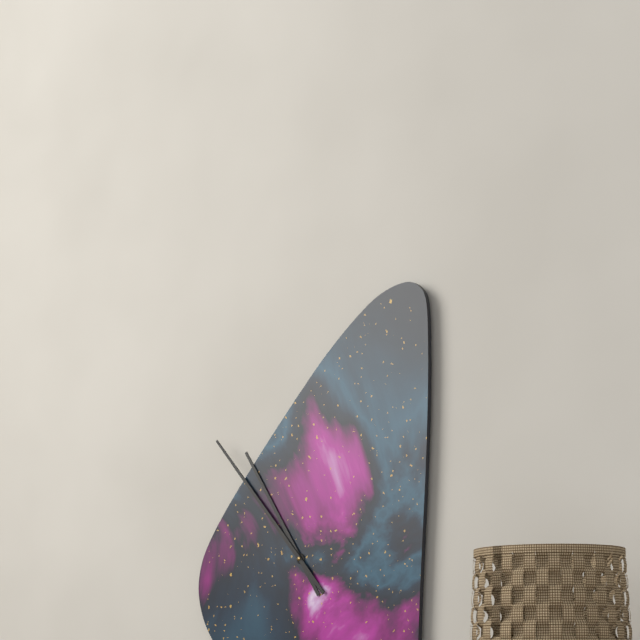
10h53
